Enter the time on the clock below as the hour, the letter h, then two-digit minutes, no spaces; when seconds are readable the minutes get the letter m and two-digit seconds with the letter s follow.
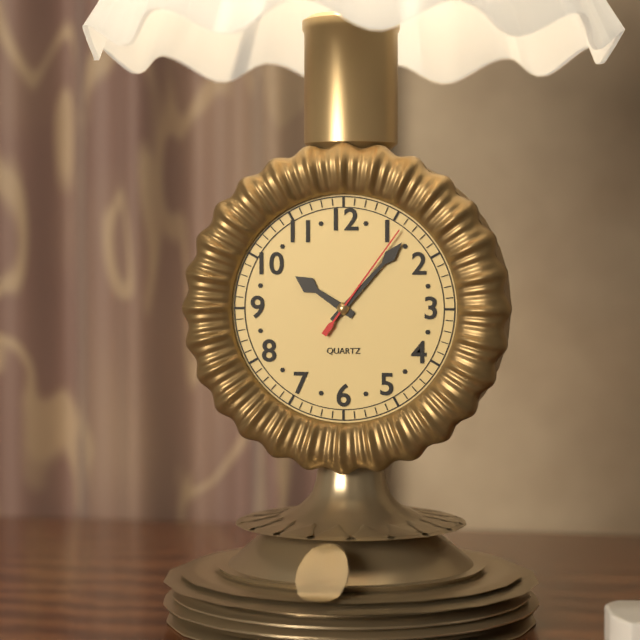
10h07m06s
